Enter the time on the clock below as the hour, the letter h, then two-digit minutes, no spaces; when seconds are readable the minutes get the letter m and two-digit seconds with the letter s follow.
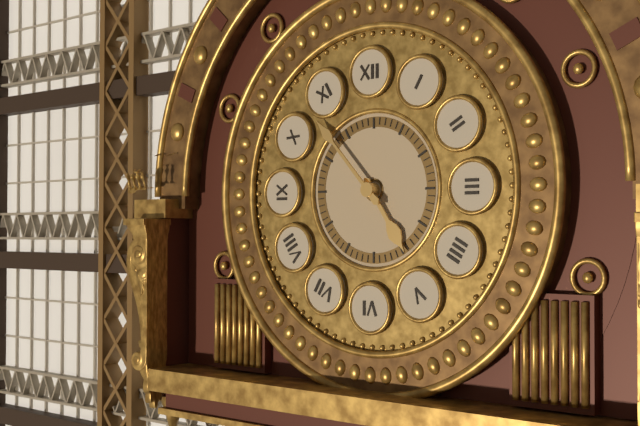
4h53
